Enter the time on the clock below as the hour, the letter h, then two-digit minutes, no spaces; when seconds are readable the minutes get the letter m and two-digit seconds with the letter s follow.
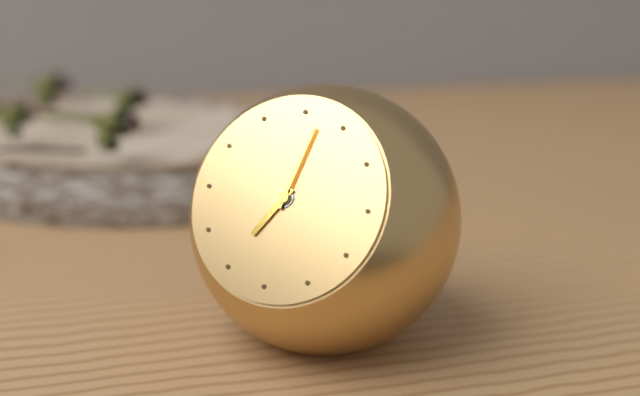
7h02
